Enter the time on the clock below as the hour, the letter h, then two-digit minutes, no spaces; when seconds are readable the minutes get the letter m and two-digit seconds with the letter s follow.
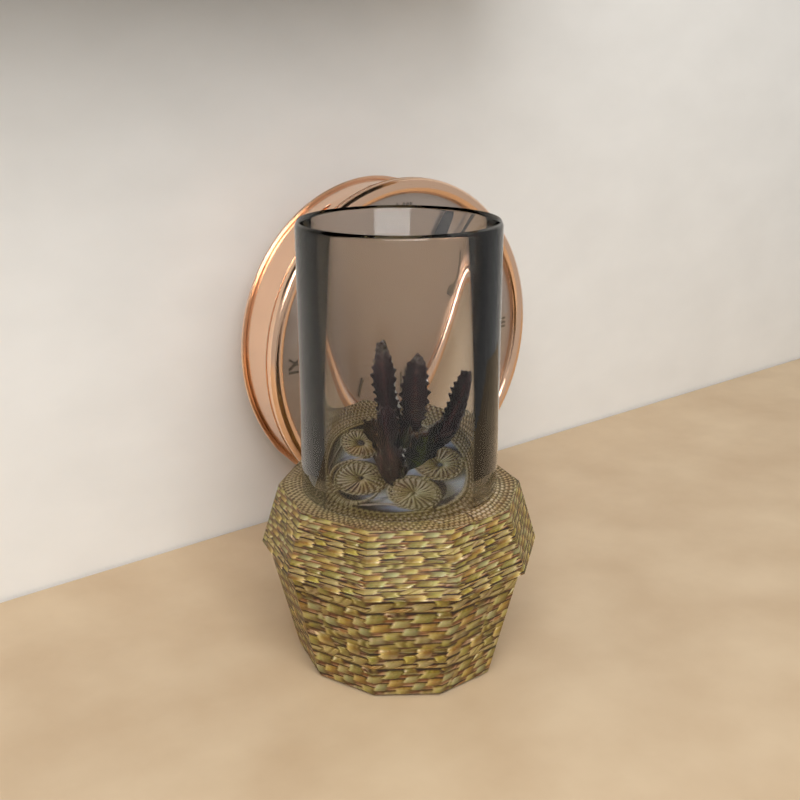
1h09
